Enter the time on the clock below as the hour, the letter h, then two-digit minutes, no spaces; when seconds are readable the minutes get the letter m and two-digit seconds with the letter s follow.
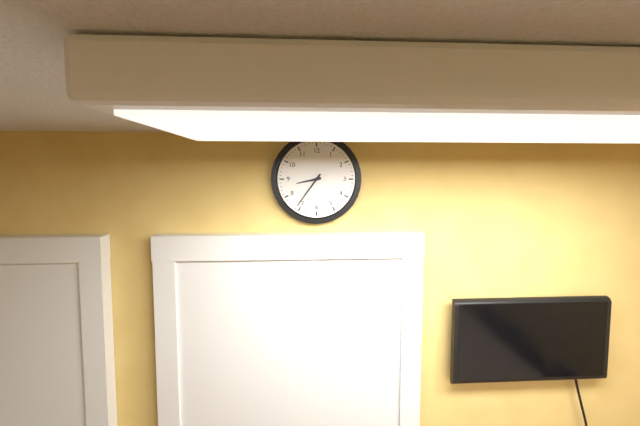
8h36
